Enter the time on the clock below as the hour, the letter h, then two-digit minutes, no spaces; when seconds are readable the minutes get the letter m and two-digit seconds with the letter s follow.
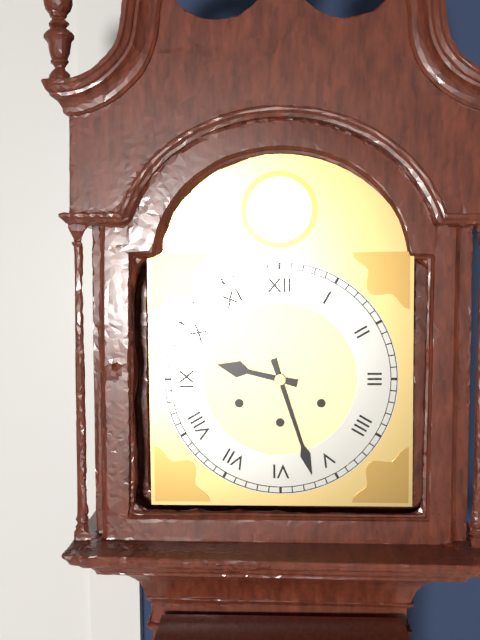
9h27
